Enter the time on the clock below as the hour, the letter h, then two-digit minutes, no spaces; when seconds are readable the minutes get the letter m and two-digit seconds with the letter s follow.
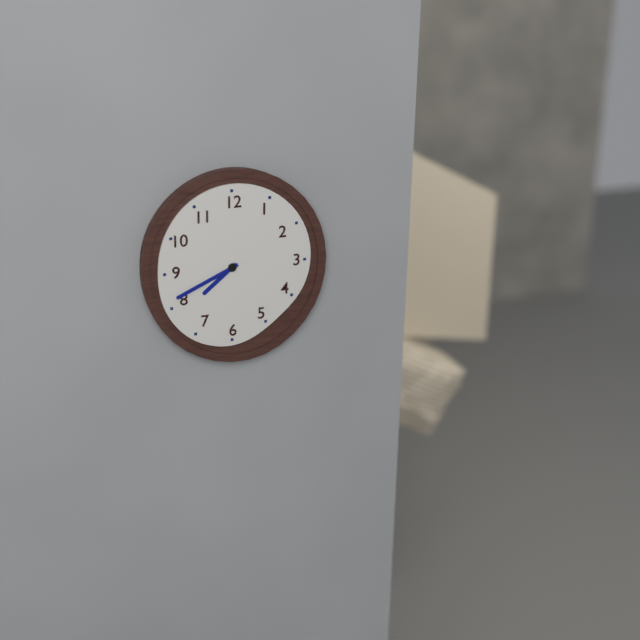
7h41
